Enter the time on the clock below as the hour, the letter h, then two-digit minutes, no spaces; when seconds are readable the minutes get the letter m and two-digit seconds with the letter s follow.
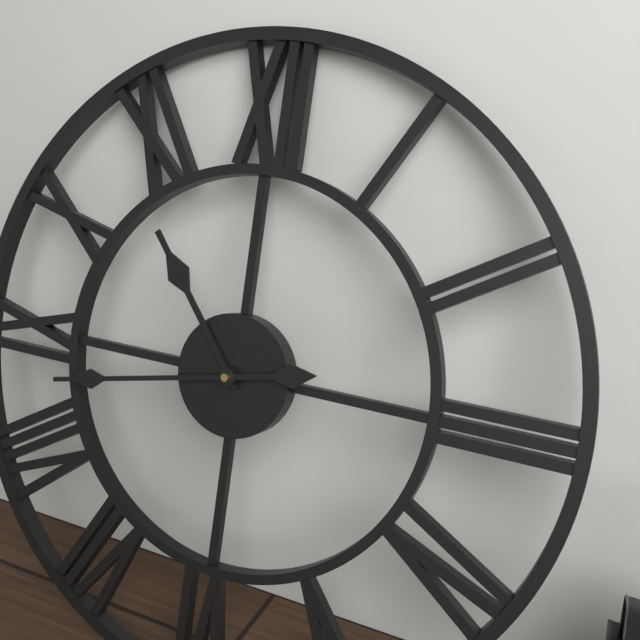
10h43
